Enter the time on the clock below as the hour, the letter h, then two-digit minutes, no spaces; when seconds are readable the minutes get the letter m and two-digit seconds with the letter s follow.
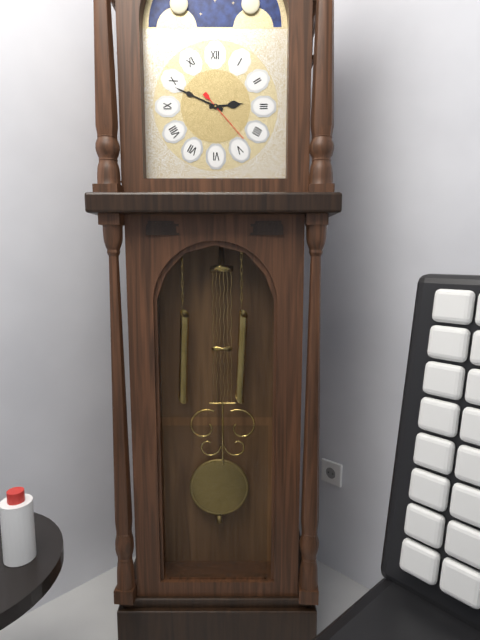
2h49m23s
